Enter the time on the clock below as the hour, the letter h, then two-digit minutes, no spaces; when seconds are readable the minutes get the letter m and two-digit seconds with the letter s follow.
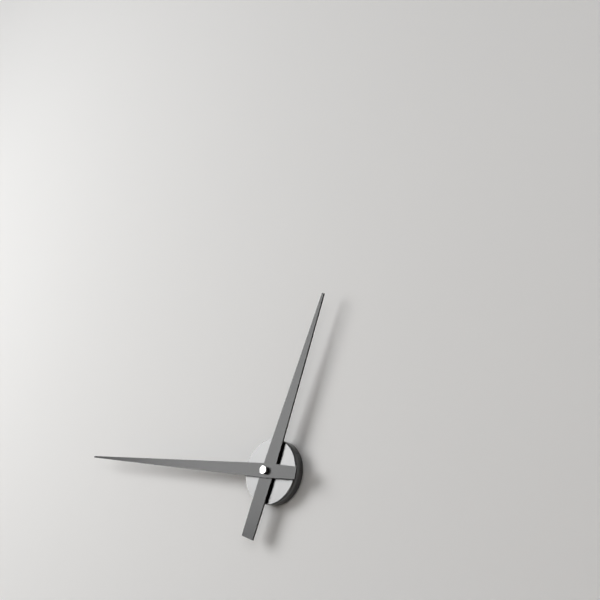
12h47
